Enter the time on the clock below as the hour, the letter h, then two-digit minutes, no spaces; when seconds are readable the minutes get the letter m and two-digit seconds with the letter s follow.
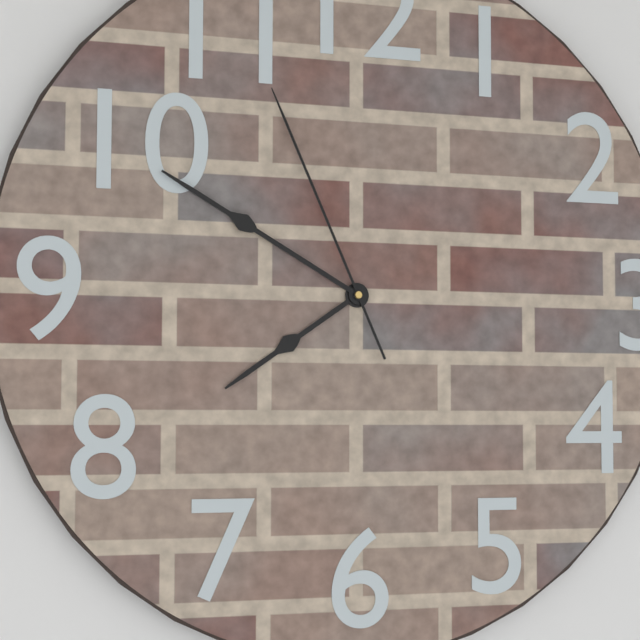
7h50m56s
